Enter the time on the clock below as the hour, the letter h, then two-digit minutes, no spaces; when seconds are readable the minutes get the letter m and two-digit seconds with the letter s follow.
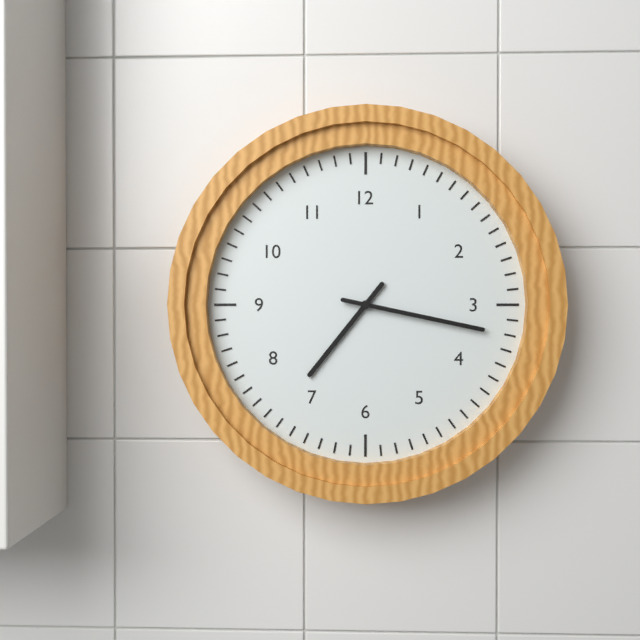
7h17
